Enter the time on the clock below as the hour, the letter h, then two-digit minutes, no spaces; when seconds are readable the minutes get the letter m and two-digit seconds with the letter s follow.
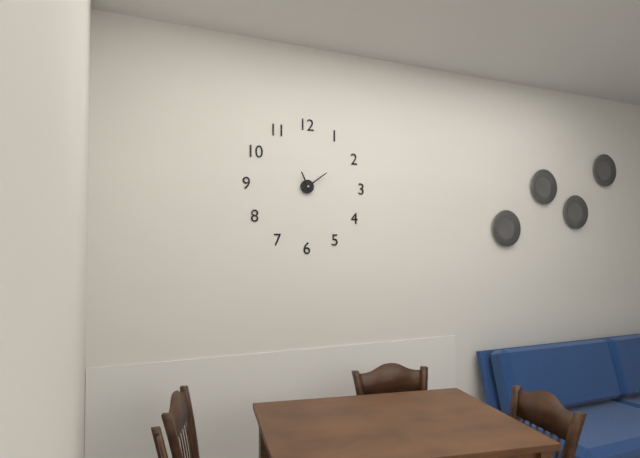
11h09
